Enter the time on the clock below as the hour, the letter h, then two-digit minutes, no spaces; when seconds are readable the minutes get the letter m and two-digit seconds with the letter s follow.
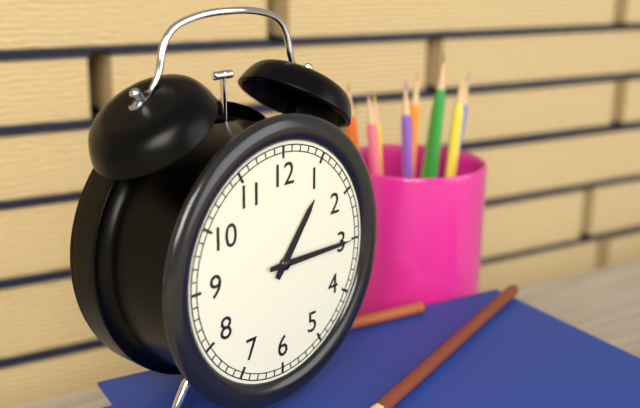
1h15
